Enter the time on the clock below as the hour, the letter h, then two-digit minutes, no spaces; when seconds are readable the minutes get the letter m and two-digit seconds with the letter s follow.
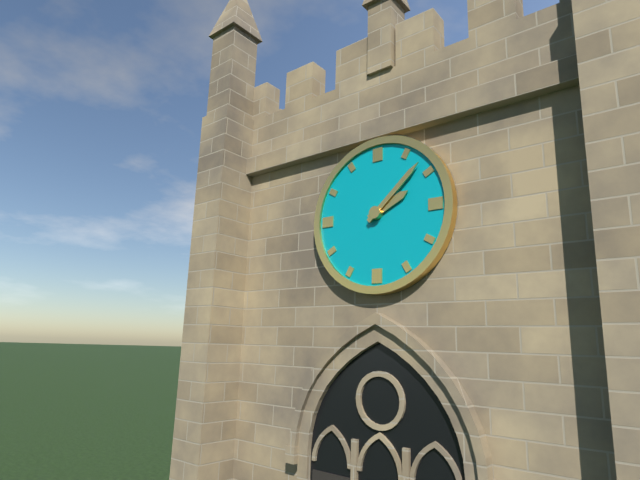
2h08
